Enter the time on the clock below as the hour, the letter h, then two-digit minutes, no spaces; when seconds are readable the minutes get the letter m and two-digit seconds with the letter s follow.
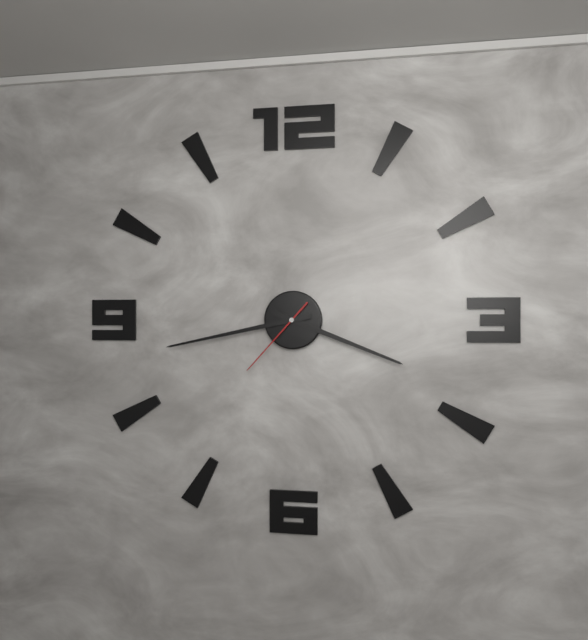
3h43m37s
